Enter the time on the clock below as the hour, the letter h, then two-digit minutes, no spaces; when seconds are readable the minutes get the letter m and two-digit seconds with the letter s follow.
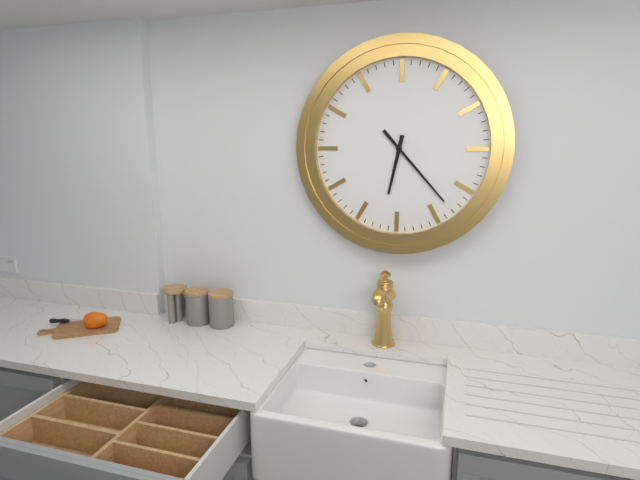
6h23
